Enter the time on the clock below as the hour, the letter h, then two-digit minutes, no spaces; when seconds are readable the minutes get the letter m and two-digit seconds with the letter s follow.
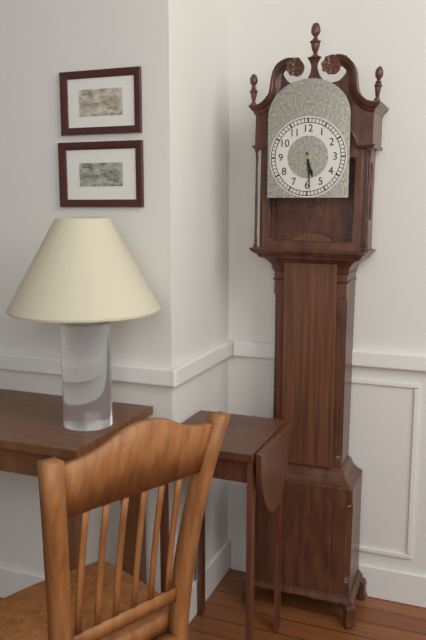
5h29
